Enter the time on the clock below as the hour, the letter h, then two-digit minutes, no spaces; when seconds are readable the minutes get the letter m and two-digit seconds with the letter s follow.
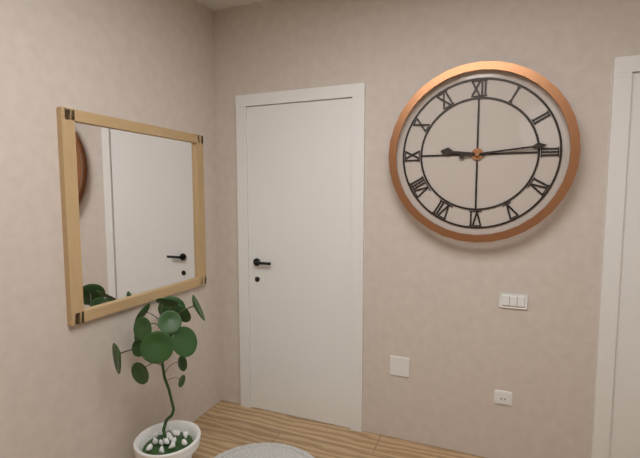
9h14
